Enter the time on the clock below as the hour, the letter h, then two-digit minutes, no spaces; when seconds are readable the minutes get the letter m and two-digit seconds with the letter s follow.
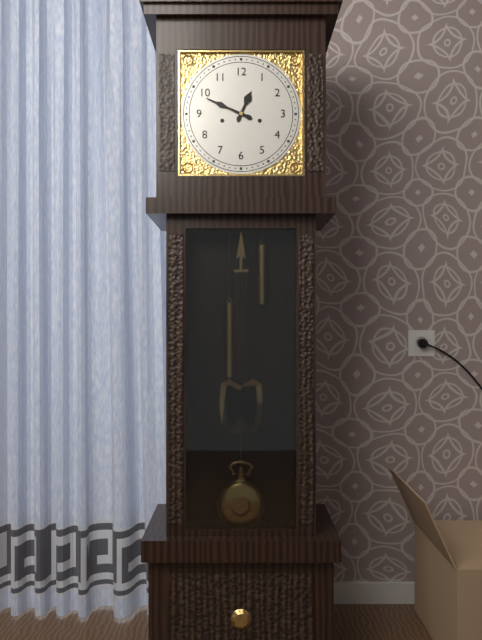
12h49
